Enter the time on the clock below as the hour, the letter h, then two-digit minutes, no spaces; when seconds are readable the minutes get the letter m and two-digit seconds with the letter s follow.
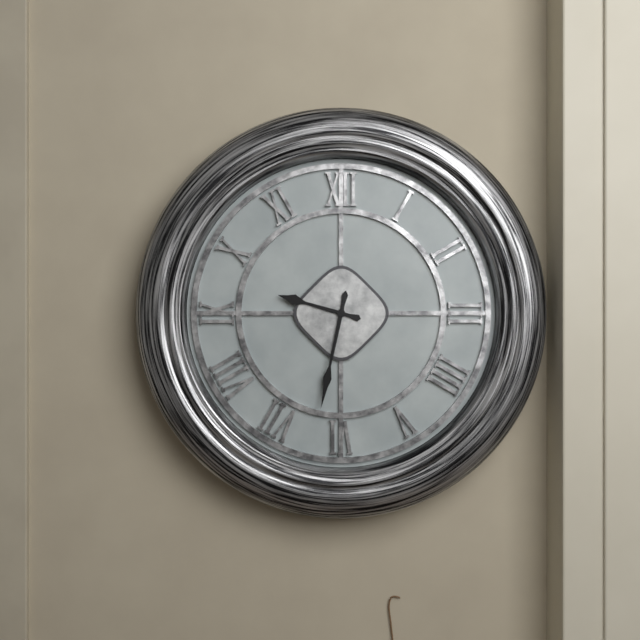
9h32
